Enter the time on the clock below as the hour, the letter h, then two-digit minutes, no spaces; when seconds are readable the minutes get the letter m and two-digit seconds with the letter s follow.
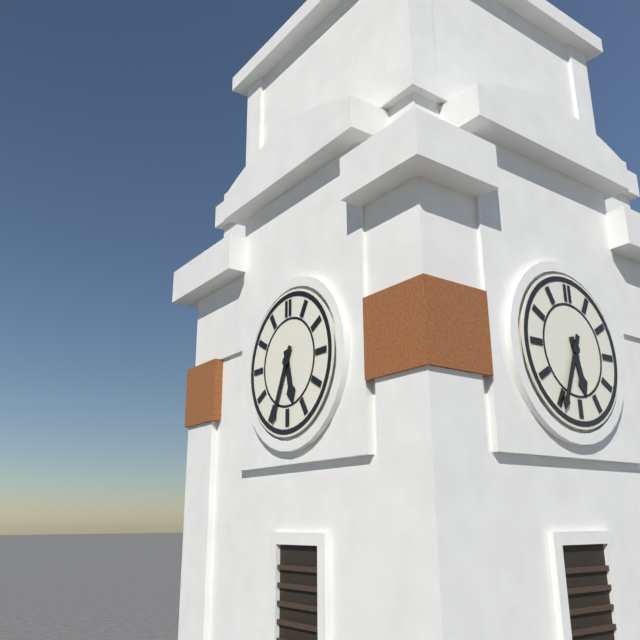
5h34
